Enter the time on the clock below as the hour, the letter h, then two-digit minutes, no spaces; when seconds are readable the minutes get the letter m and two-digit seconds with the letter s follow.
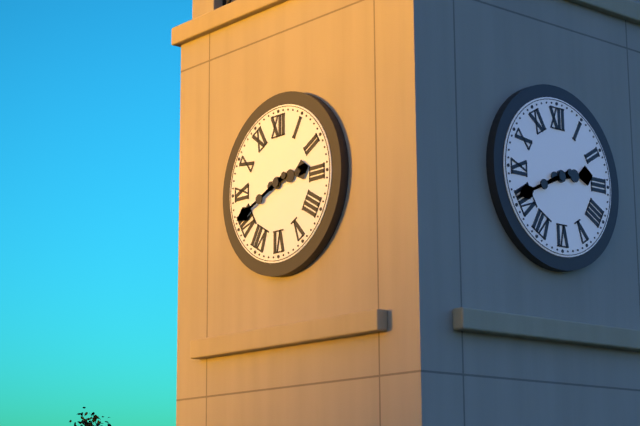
2h41
